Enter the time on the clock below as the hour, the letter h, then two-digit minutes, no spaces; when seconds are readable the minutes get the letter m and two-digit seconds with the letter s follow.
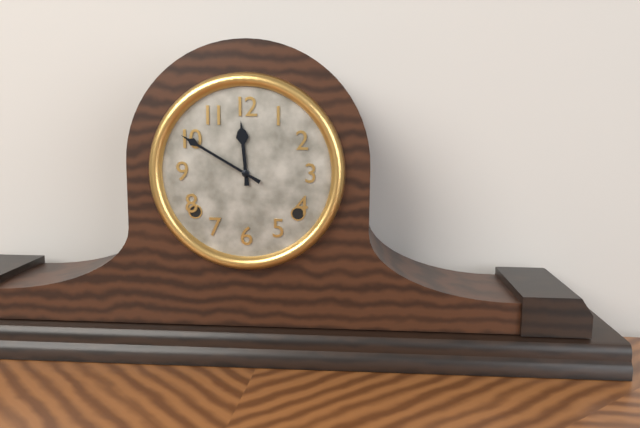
11h50
